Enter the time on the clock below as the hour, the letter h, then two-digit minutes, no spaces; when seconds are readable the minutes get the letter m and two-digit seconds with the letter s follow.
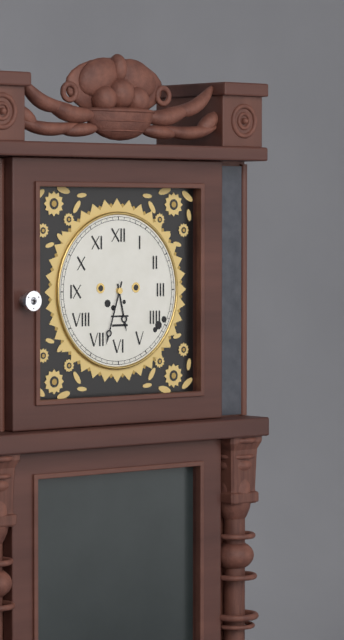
5h33
